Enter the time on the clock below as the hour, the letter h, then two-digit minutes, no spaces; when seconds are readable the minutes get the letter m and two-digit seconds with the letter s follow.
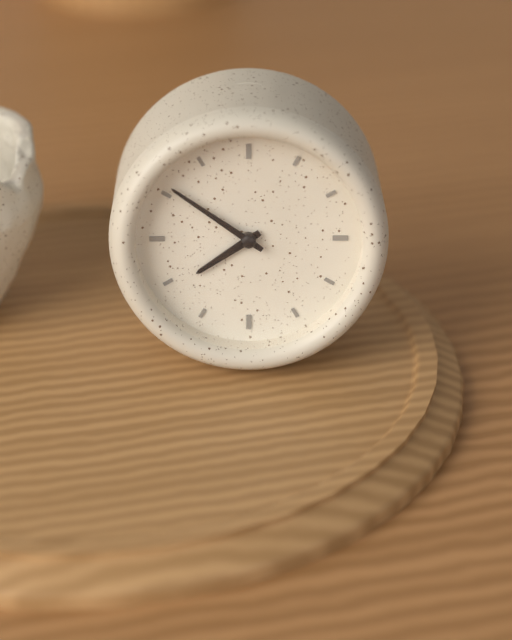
7h51
